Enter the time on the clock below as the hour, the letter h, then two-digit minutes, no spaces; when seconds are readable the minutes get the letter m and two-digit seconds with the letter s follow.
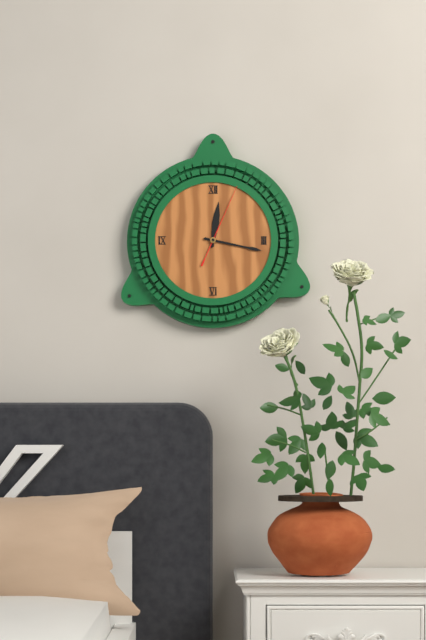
12h17m04s
